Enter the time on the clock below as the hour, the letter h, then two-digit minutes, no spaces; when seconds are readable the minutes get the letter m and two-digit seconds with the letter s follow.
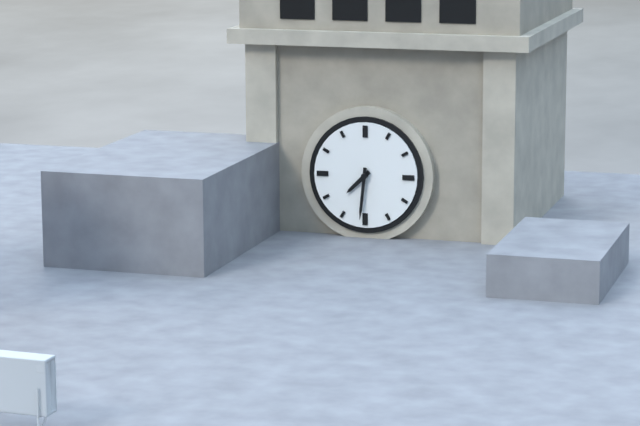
7h31
